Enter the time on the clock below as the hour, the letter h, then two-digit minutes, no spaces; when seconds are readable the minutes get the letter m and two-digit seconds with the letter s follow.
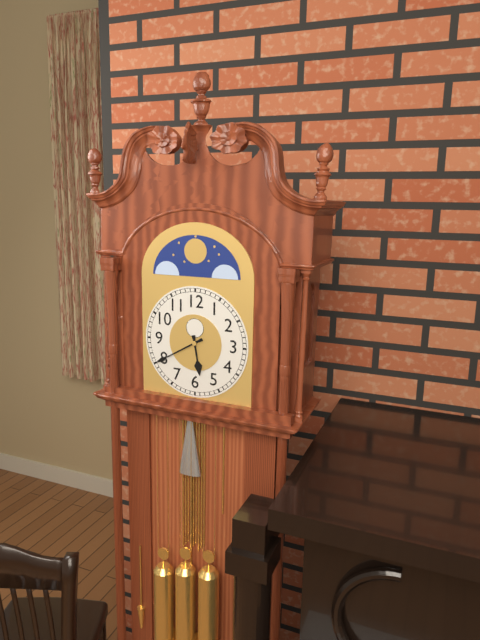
5h40
